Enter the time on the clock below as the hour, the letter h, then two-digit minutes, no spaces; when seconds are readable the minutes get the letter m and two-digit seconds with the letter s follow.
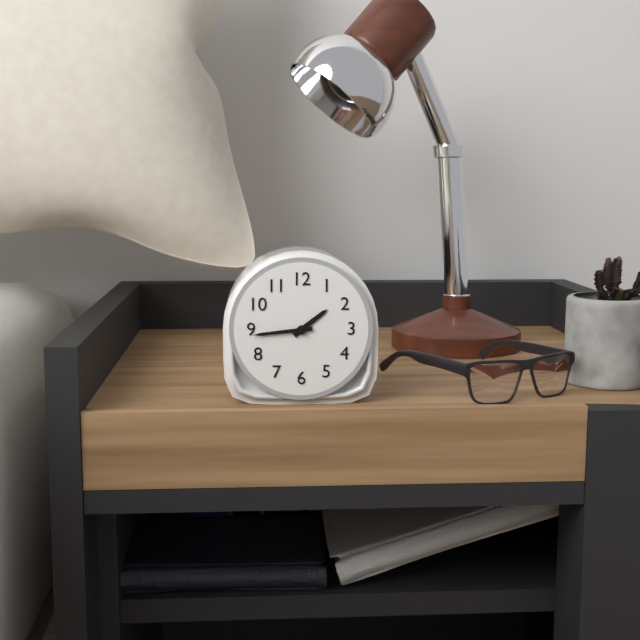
1h44
